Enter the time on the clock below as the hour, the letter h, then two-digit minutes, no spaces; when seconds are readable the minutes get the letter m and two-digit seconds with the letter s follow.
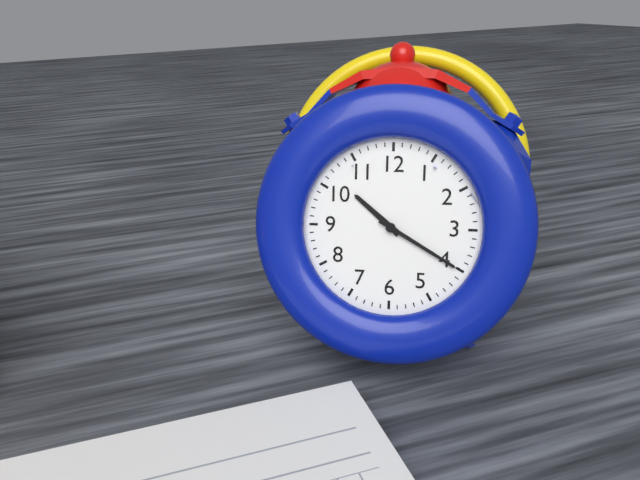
10h20
